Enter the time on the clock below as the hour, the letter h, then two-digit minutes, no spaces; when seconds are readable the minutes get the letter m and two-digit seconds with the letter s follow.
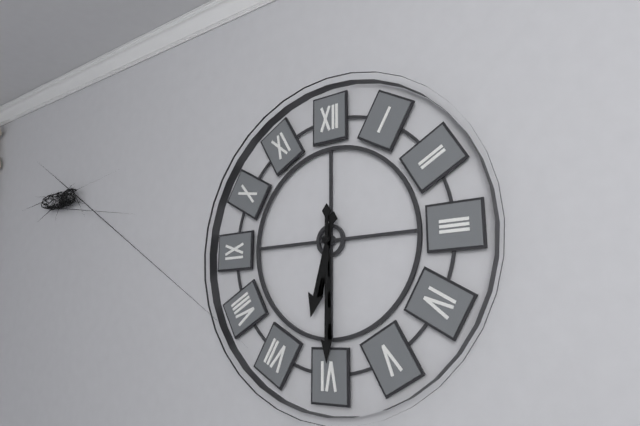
6h30
